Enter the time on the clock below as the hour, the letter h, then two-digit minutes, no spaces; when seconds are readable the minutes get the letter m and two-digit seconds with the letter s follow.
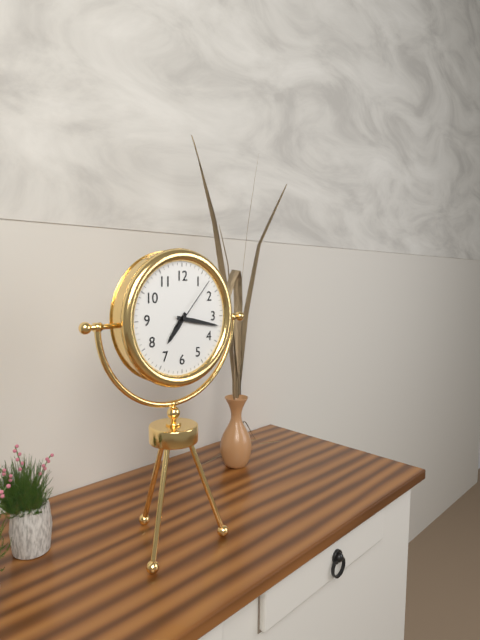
7h17m07s
